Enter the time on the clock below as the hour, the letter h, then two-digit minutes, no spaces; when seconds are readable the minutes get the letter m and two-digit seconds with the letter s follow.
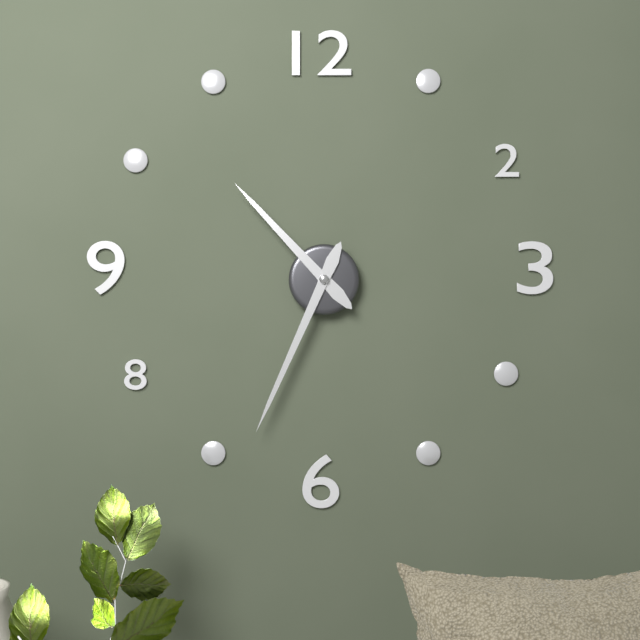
10h34
